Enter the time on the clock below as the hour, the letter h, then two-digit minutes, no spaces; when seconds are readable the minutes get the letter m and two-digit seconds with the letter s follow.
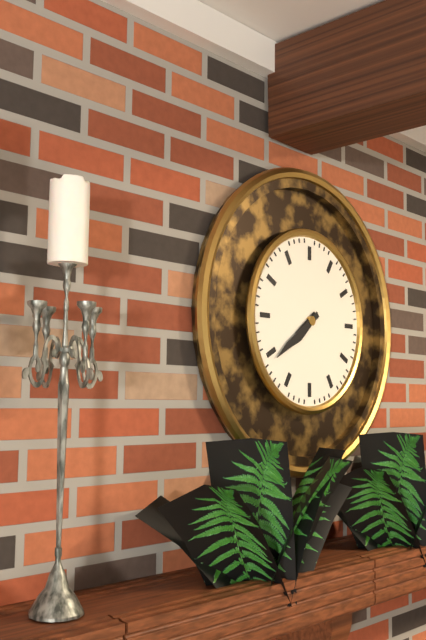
7h39
